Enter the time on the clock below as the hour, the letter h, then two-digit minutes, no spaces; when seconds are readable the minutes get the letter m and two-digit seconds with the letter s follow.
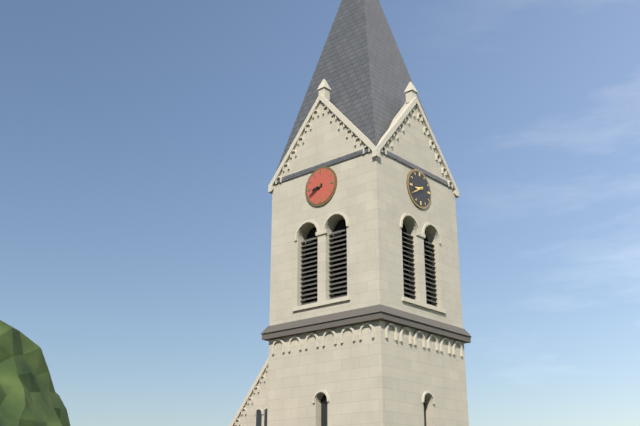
8h40
